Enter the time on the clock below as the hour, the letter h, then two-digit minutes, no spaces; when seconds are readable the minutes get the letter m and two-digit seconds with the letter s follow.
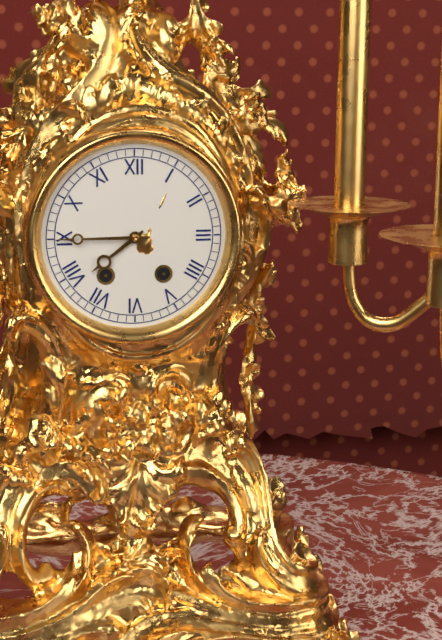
7h45
